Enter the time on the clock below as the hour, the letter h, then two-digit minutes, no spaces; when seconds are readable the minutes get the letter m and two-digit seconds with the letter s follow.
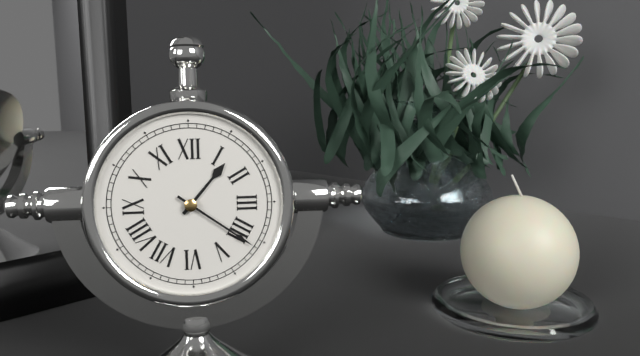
1h21
